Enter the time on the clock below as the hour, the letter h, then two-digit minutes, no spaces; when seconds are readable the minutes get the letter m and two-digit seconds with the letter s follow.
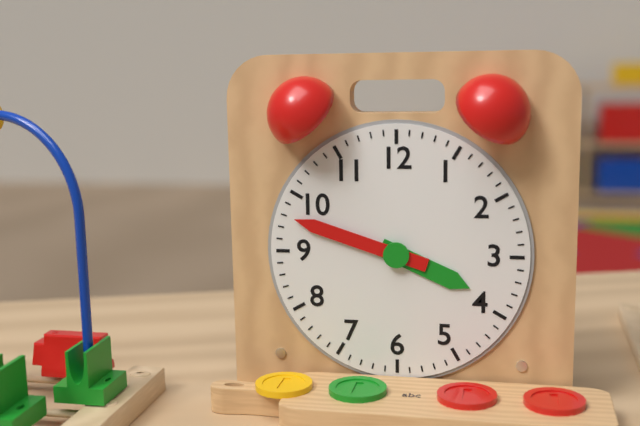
3h48
